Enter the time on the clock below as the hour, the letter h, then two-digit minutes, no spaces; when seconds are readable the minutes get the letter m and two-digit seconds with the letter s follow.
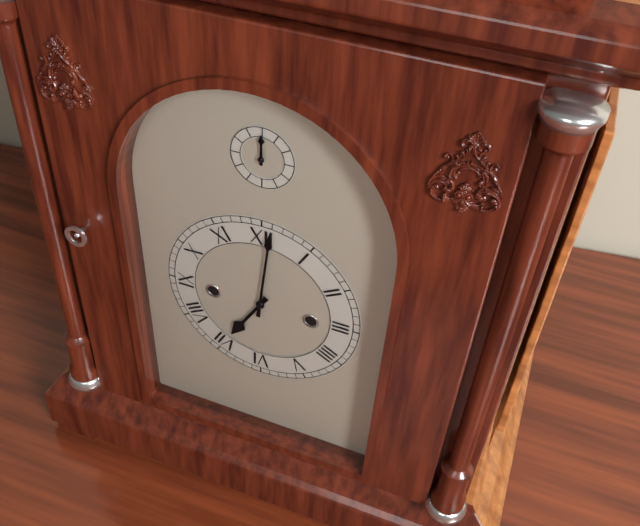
7h01
